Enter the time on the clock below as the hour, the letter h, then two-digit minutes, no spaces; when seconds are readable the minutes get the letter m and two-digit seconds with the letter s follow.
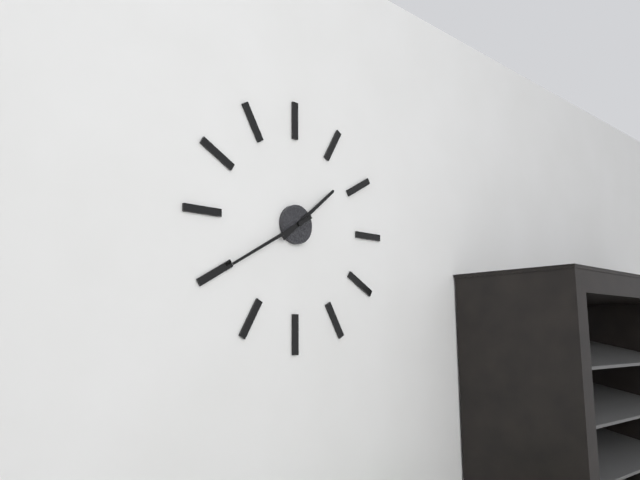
1h40
